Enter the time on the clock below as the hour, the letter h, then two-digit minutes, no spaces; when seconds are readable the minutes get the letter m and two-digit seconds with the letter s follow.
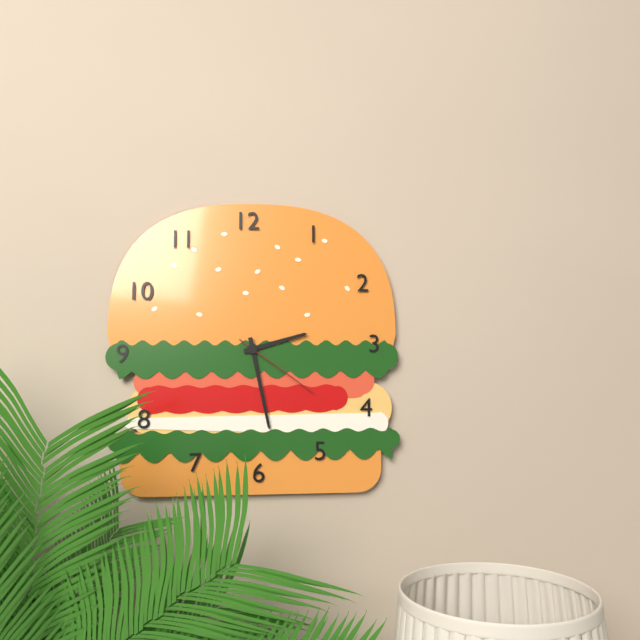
2h28m21s
